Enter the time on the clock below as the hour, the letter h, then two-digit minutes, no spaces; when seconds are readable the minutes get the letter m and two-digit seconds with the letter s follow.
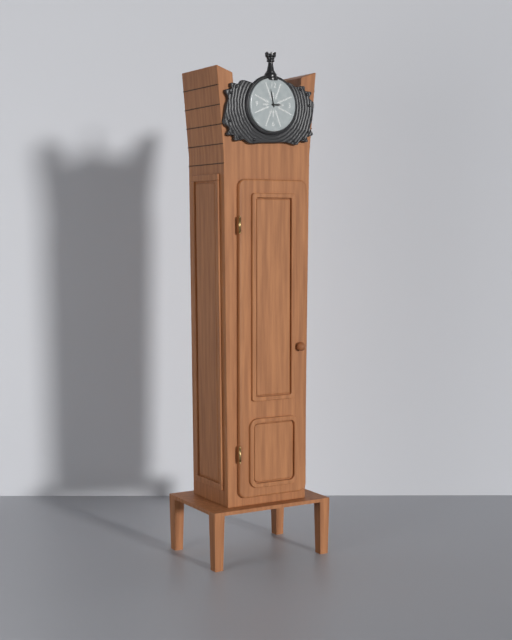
2h58
